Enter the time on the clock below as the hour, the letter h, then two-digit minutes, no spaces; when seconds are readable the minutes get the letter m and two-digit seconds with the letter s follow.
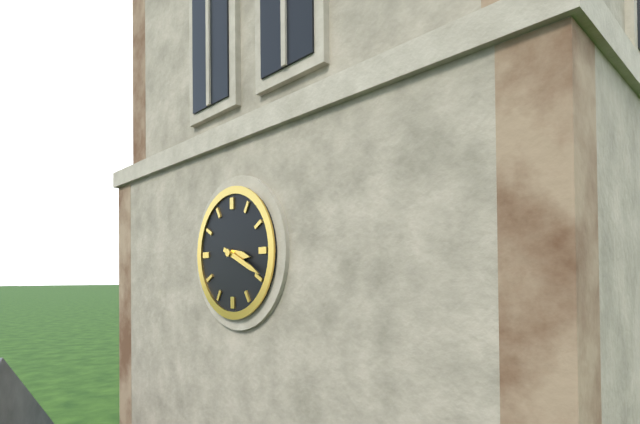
3h19
